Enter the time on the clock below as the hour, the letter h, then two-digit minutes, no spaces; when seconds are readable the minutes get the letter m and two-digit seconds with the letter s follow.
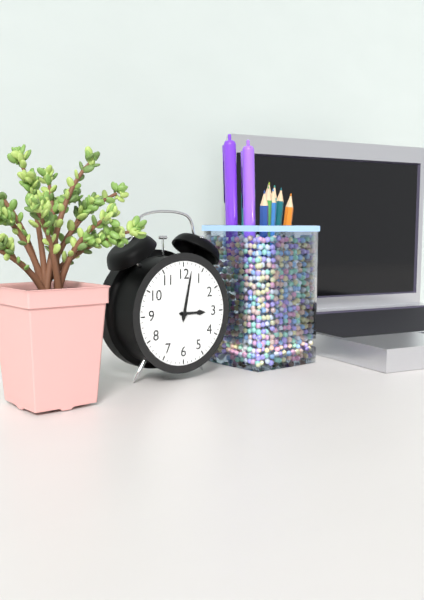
3h02
